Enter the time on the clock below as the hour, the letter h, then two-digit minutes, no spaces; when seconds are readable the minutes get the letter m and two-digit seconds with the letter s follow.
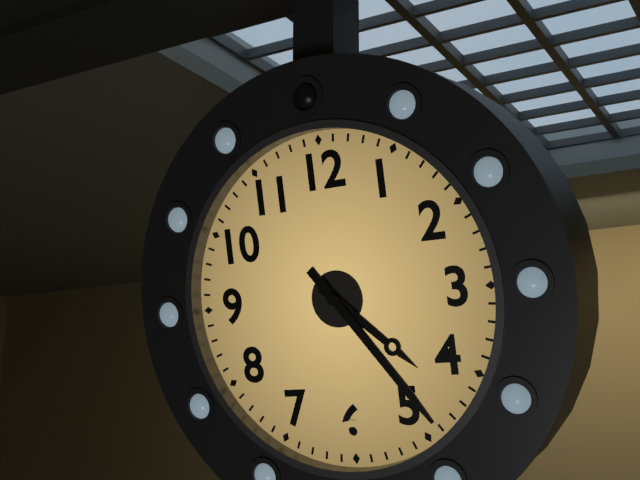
4h24
